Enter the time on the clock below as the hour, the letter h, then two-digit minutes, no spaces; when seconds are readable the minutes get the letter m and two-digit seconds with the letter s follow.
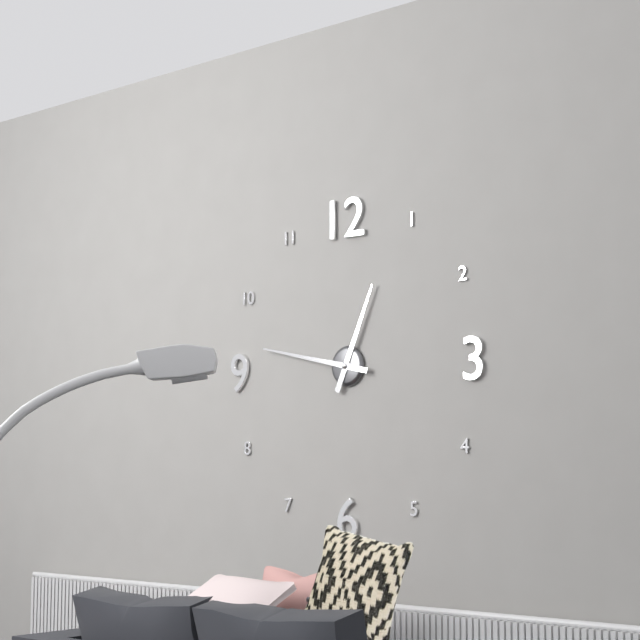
12h47
